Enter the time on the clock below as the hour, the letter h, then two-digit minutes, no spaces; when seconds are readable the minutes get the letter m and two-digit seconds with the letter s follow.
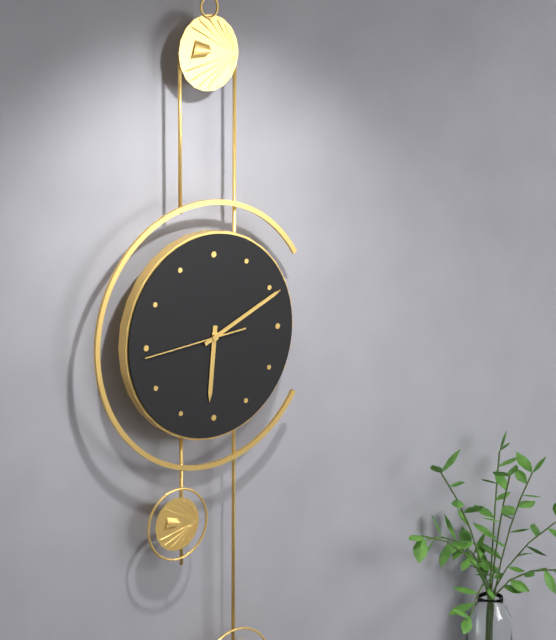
6h11m44s
